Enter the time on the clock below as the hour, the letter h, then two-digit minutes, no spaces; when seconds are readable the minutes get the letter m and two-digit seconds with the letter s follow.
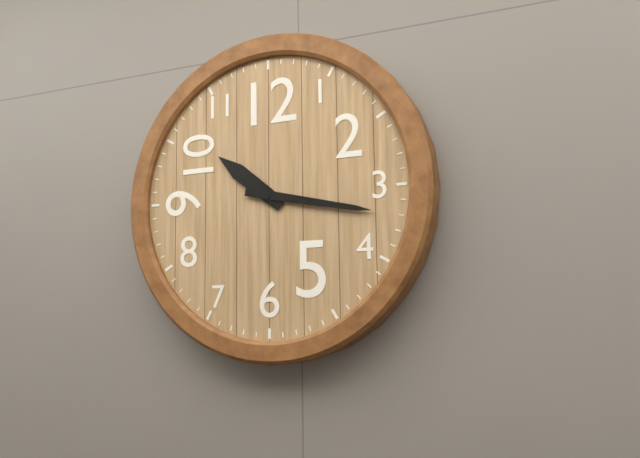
10h17
